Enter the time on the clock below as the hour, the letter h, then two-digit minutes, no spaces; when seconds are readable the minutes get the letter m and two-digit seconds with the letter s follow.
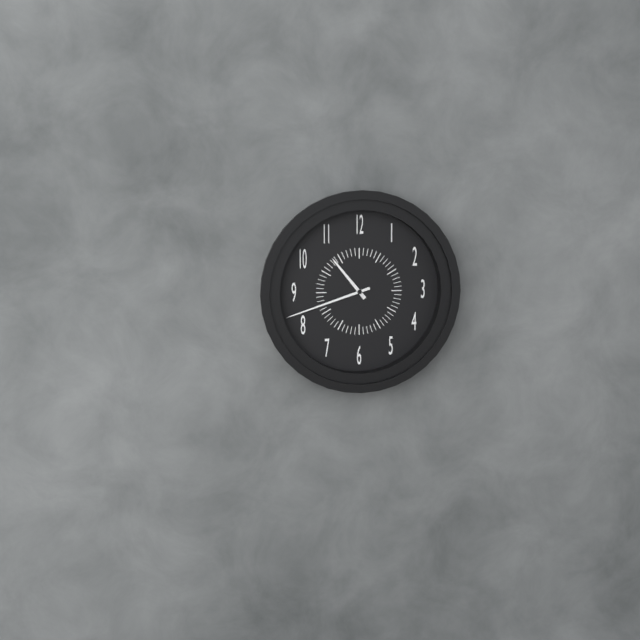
10h42
